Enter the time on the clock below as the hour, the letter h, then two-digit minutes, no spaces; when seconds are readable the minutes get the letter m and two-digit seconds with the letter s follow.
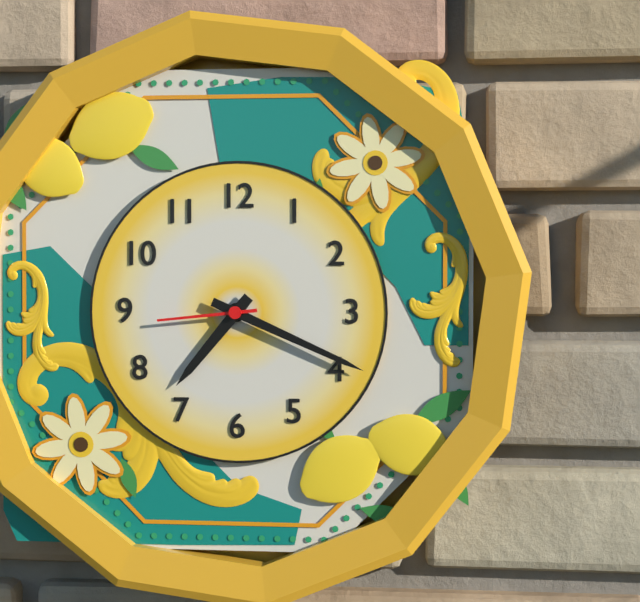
7h19m44s
